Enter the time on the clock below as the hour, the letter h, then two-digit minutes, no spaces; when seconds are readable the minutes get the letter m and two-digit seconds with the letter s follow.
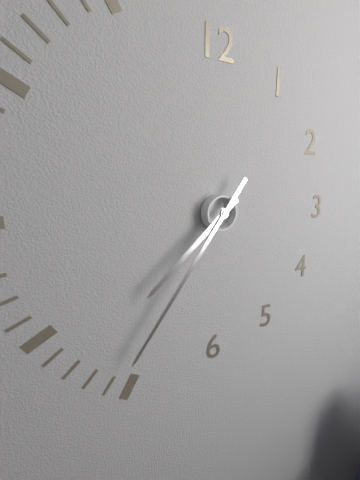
7h36
